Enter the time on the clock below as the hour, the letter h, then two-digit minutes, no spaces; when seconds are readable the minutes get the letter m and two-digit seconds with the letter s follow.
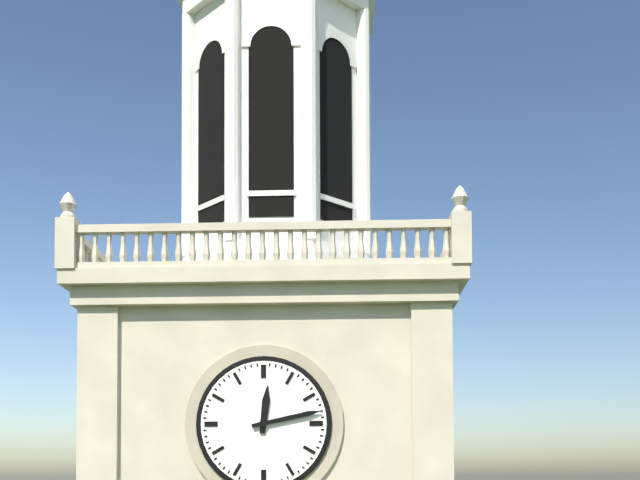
12h13
